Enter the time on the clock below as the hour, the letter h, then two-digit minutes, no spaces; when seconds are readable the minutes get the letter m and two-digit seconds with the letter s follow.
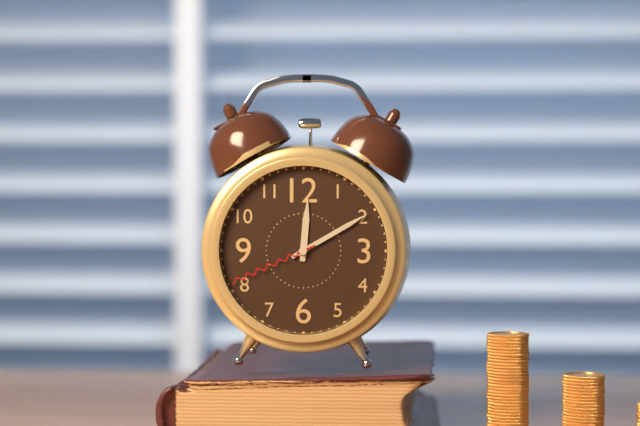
12h10m41s
